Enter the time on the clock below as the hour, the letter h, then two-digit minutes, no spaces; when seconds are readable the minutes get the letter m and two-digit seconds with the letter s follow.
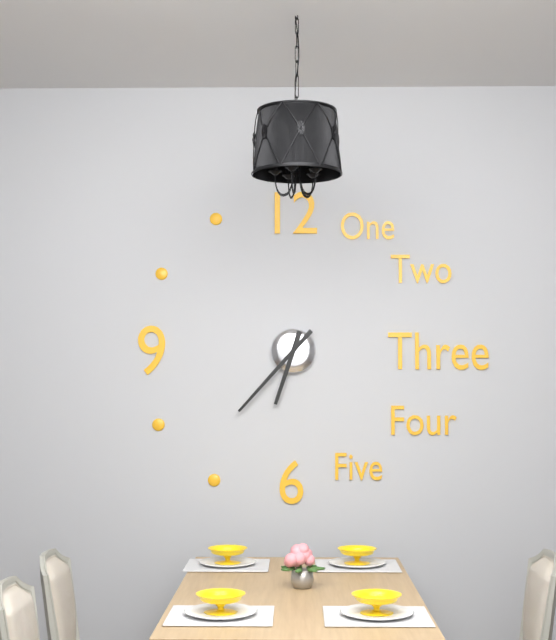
6h37
